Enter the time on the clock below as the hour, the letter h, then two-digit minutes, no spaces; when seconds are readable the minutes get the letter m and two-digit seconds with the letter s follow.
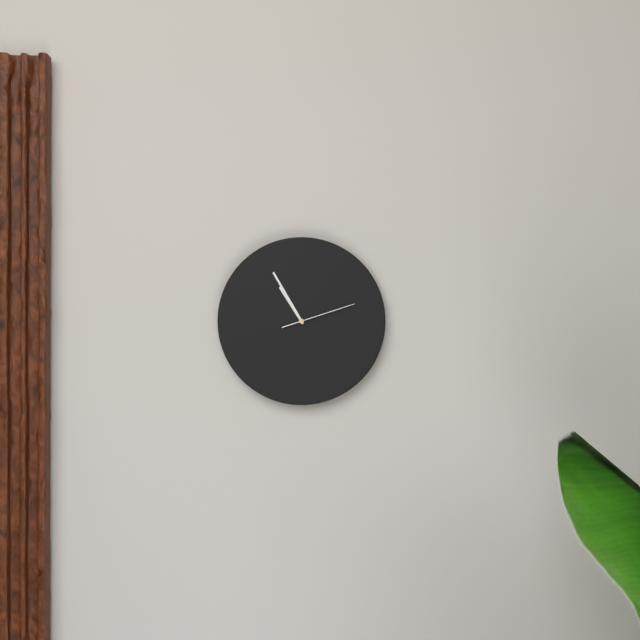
10h55m12s
